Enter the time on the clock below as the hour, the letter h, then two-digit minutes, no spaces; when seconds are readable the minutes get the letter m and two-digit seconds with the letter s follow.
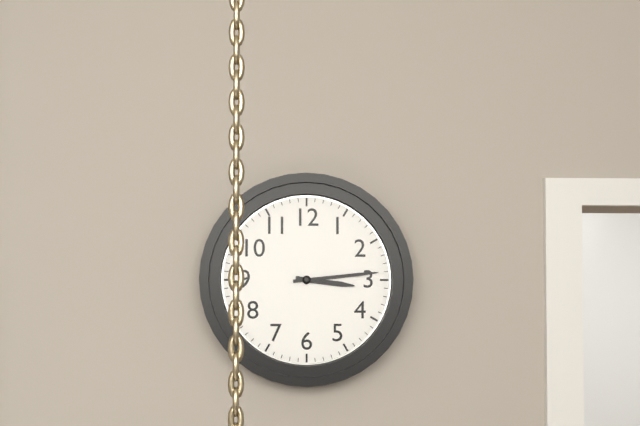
3h14
